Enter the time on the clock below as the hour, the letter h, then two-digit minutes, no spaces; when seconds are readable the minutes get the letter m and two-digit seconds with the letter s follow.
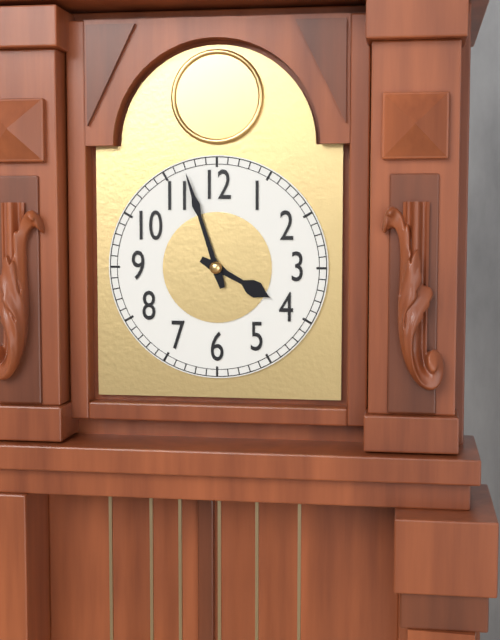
3h57
